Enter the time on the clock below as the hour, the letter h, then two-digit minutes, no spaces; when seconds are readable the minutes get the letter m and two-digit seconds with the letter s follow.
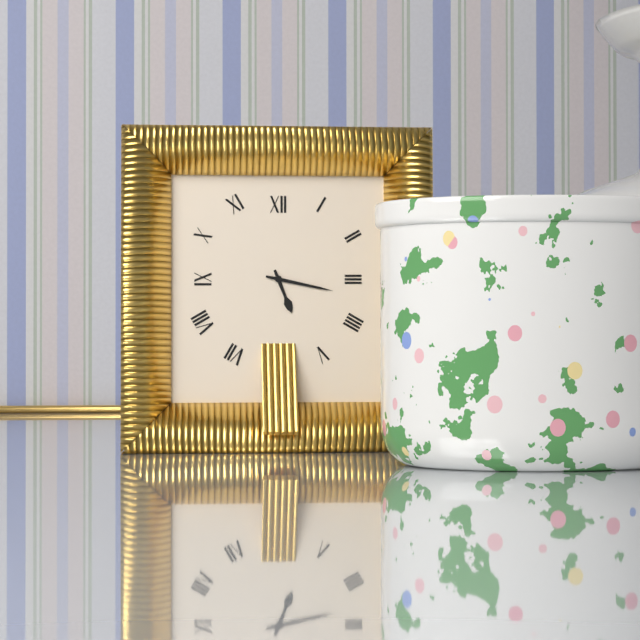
5h17
